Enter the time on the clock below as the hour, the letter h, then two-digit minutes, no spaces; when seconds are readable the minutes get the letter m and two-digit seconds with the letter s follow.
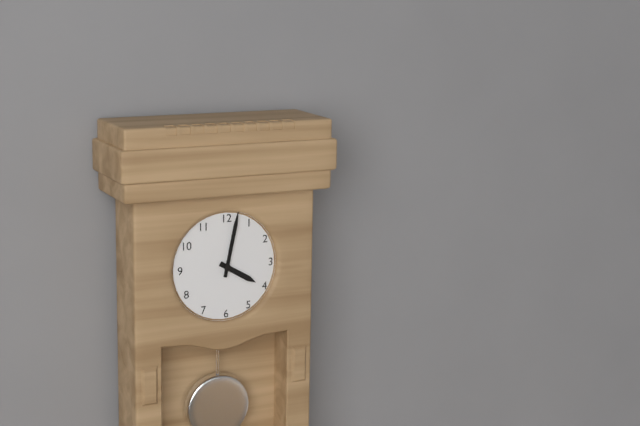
4h02
